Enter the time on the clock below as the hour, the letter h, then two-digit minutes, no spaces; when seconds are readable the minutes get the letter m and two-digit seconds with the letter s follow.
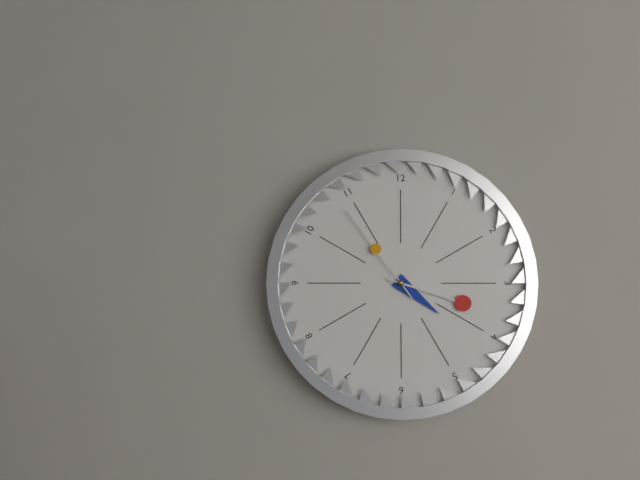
4h18m54s
